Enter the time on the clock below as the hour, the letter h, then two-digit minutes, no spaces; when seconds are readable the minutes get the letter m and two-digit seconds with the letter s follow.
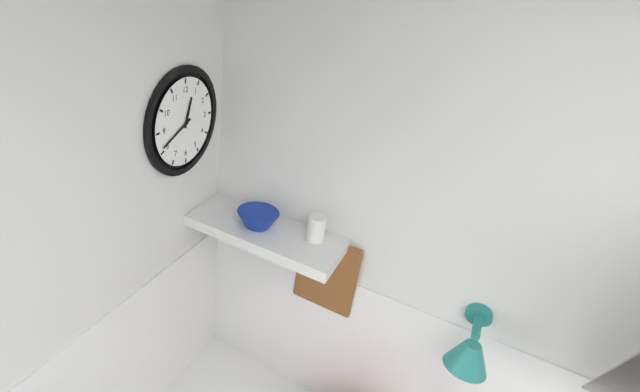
12h41
